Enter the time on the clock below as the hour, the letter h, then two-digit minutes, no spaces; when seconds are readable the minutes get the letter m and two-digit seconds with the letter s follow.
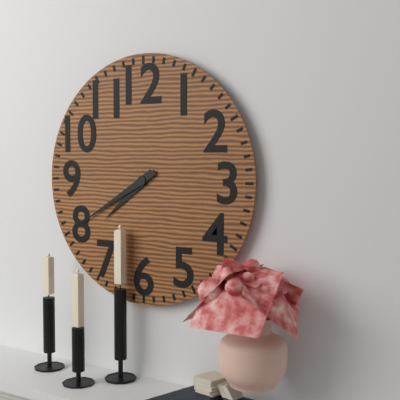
7h40
